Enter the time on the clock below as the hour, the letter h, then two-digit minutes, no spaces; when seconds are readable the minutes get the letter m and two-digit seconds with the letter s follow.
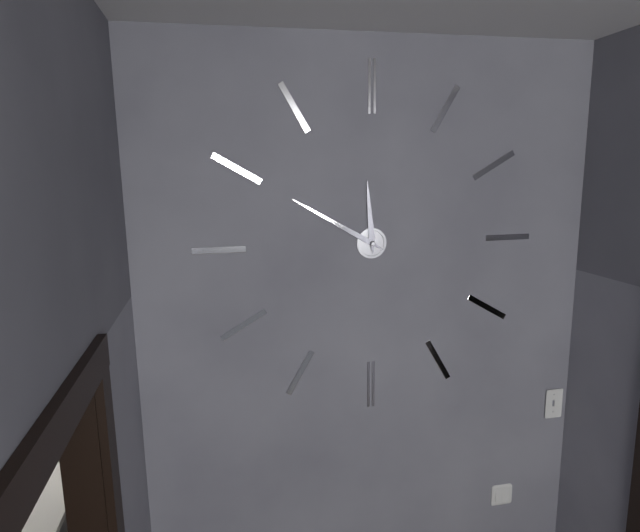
11h50
